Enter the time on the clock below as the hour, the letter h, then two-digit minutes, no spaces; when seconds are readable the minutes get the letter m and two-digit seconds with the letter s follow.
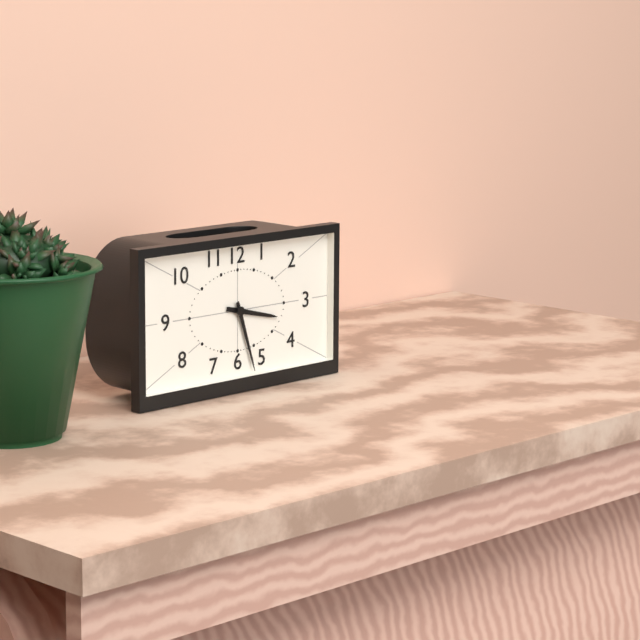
3h27
